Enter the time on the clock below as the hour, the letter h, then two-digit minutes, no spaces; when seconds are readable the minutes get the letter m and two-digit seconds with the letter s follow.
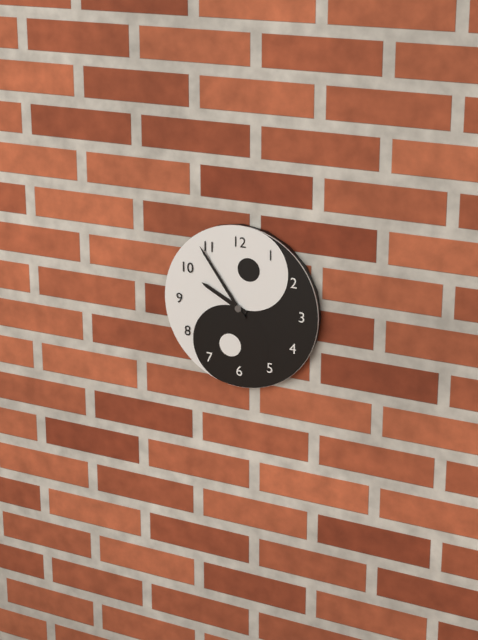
9h54
